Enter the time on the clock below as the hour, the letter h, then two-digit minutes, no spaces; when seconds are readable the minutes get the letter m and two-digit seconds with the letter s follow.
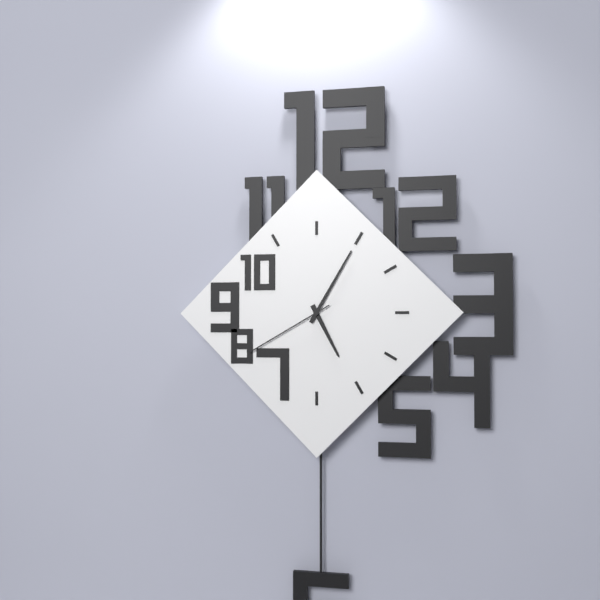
5h05m40s
